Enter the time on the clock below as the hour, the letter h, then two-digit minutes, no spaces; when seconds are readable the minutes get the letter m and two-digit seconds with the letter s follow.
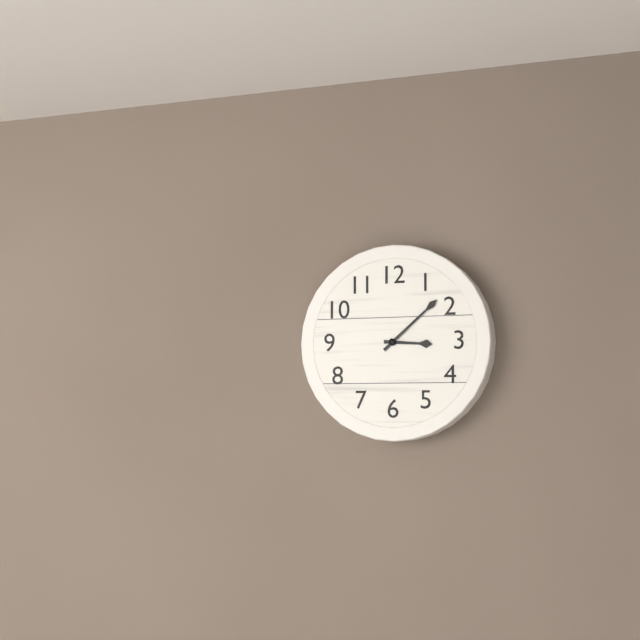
3h08
